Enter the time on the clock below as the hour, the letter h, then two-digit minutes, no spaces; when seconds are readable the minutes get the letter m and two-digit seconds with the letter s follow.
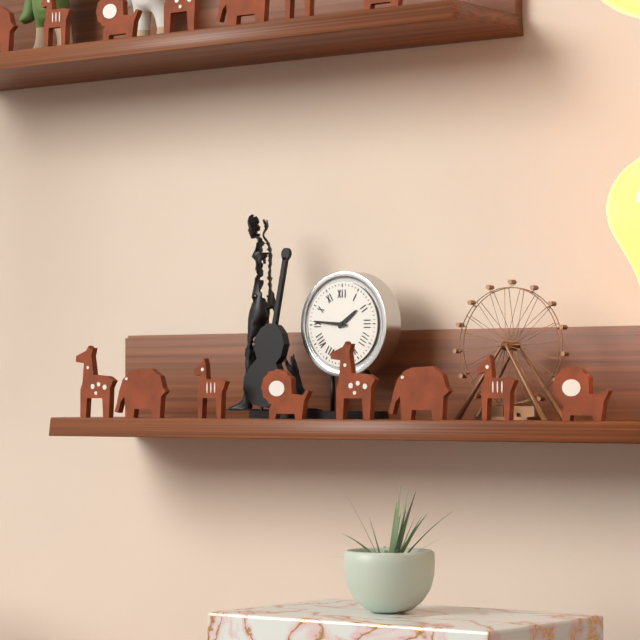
1h46
